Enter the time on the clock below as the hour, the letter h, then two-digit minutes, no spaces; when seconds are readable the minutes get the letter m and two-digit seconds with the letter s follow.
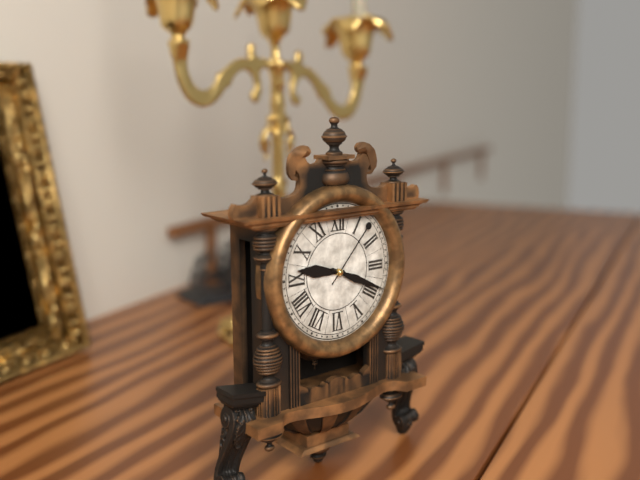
9h19m07s
